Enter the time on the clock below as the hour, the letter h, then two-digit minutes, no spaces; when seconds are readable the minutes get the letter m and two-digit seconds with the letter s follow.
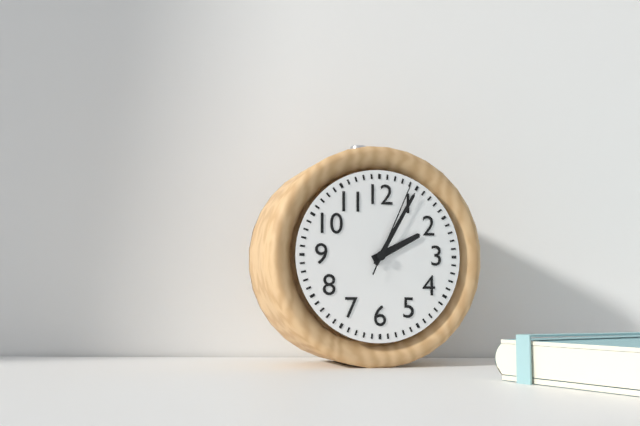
2h05m04s
